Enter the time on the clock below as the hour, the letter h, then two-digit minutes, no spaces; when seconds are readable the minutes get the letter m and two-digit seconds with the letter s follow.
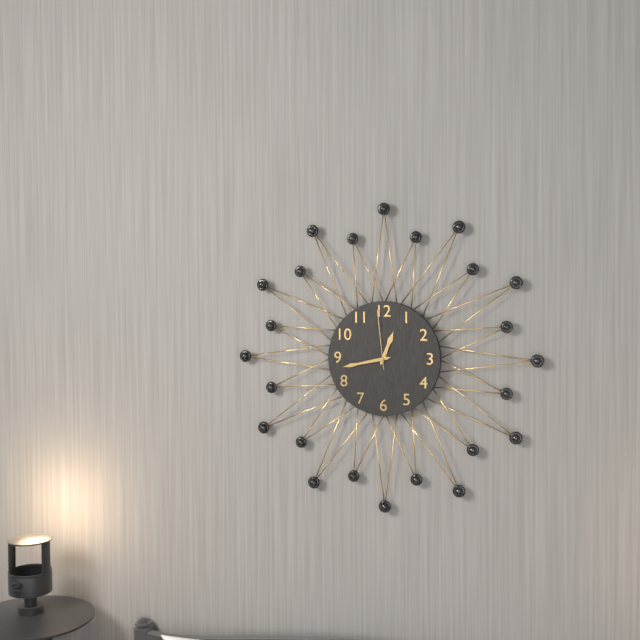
12h43m59s
